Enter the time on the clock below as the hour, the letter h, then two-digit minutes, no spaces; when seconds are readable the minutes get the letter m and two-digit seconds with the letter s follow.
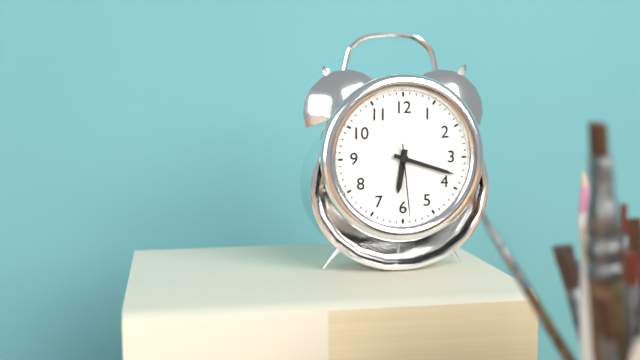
6h18m29s
